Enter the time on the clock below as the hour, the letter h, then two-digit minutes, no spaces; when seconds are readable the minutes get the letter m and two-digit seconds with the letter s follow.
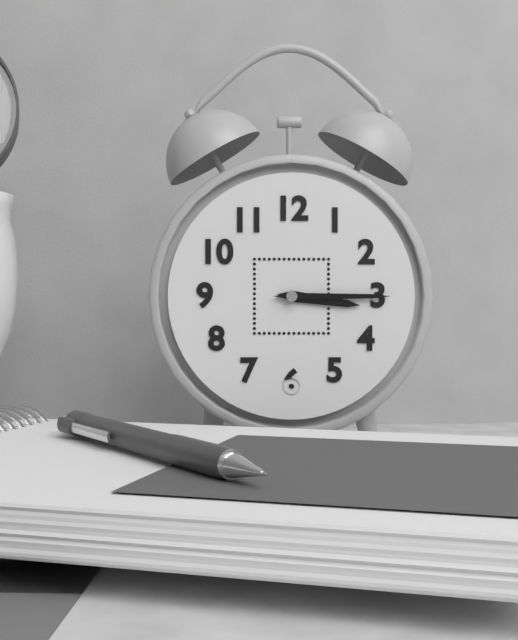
3h15
